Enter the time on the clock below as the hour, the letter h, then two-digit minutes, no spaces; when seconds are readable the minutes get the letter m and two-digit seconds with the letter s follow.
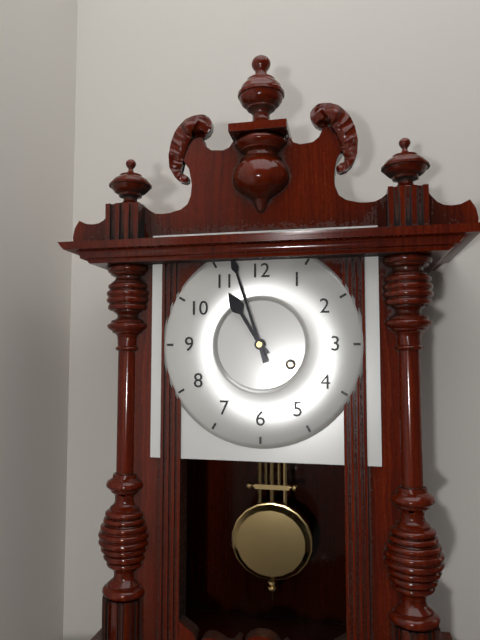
10h57
